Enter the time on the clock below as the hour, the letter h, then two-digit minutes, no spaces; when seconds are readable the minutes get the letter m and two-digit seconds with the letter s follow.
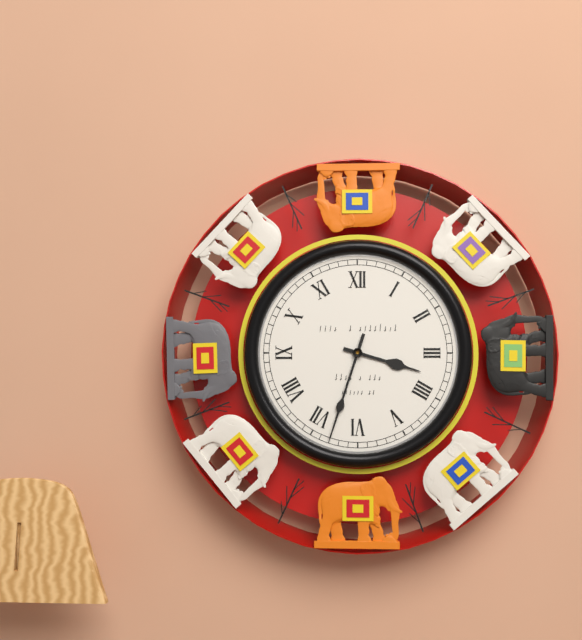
3h33
